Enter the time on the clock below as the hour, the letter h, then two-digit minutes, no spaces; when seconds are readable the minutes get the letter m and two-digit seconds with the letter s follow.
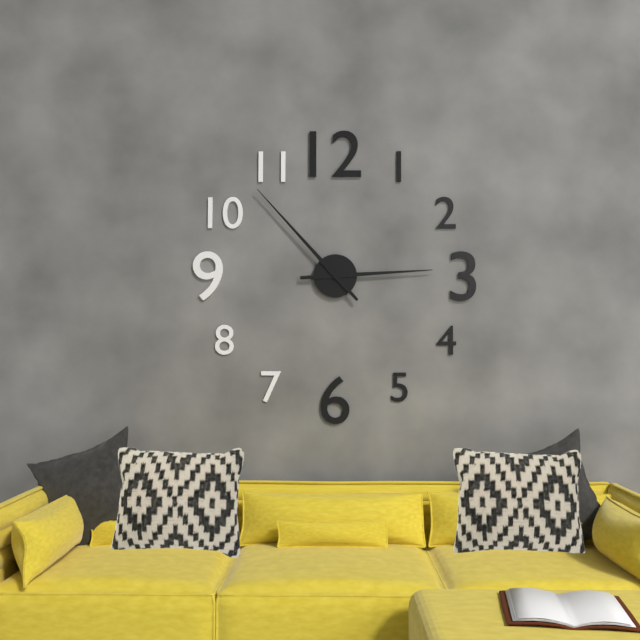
2h53
